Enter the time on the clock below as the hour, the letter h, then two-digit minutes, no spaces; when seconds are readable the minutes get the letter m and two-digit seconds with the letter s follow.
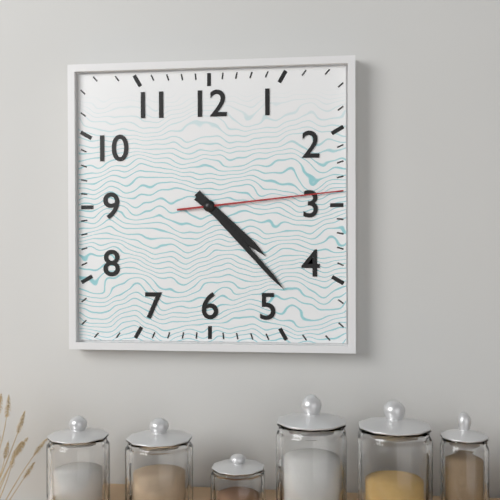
4h23m14s
